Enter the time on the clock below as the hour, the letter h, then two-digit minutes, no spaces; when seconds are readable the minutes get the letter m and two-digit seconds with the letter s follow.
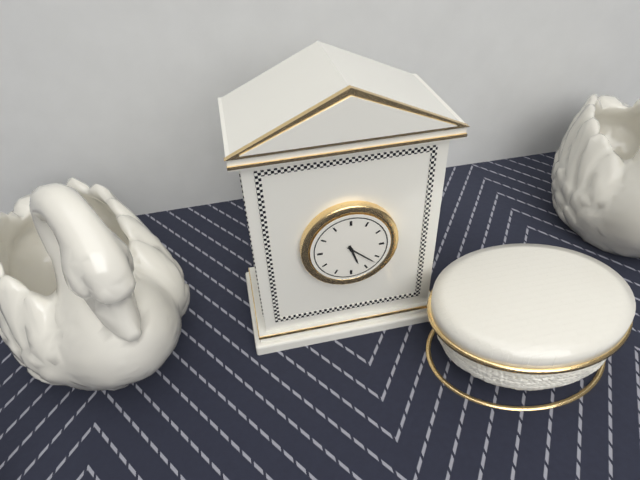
5h22
